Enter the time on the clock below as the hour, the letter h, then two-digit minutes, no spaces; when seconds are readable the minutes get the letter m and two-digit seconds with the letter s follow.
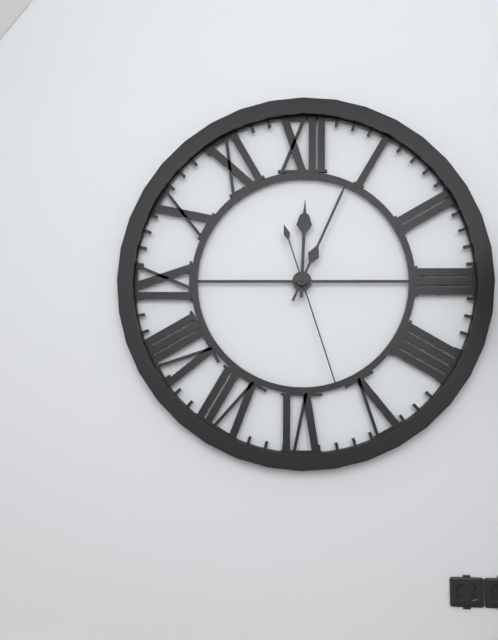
12h04m27s
